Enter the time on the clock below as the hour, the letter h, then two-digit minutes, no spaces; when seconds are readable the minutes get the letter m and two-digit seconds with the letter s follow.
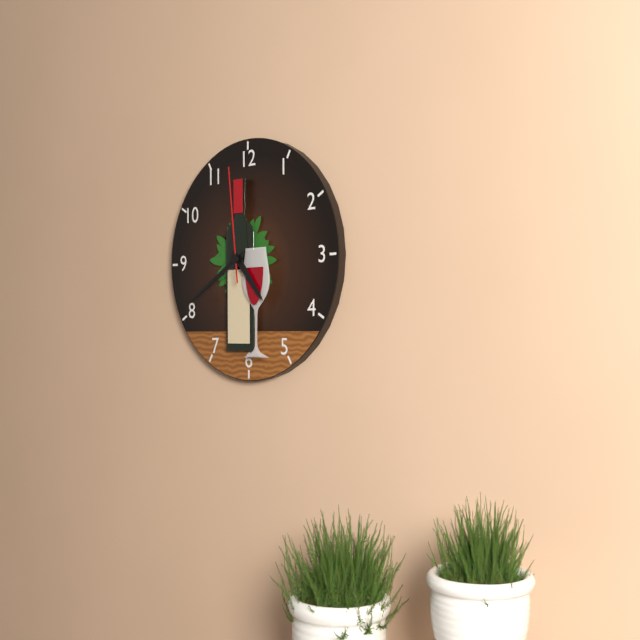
4h40m59s
